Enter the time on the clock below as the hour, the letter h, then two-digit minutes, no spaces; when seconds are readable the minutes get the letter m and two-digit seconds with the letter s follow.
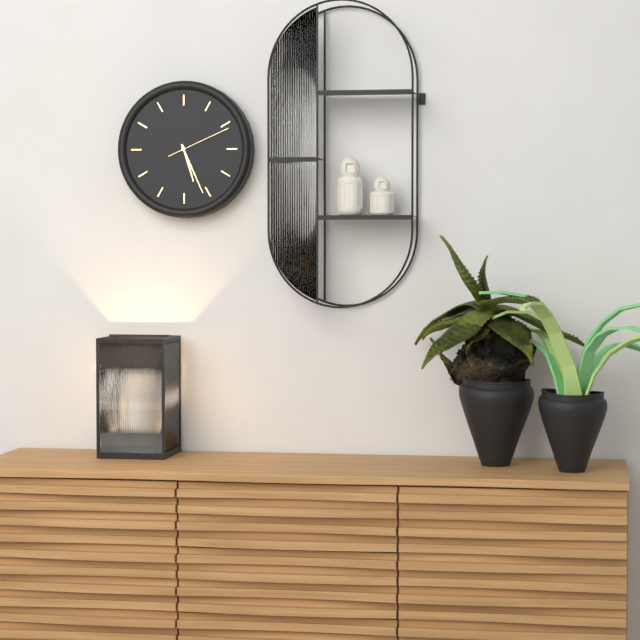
5h26m11s
